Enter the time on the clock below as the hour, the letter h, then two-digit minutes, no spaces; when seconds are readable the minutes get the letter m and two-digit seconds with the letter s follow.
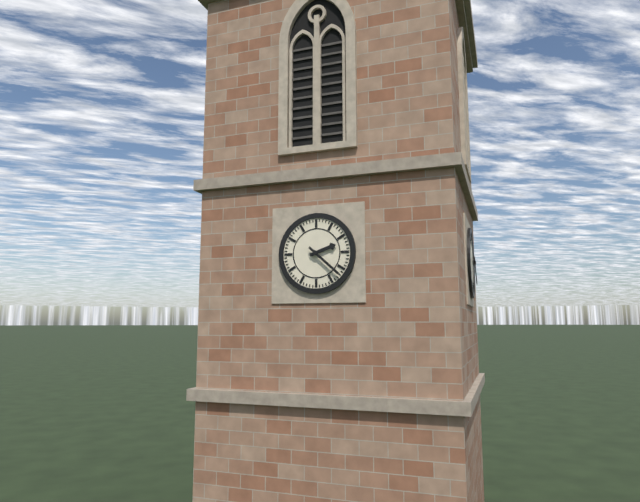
2h22
